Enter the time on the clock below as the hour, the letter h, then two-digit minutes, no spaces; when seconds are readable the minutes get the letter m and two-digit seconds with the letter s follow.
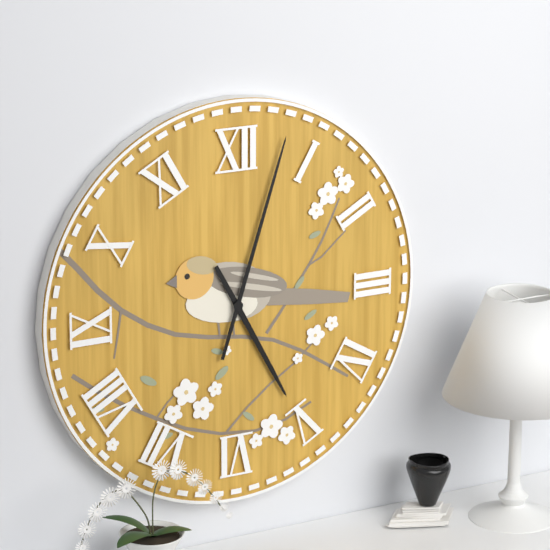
5h03
